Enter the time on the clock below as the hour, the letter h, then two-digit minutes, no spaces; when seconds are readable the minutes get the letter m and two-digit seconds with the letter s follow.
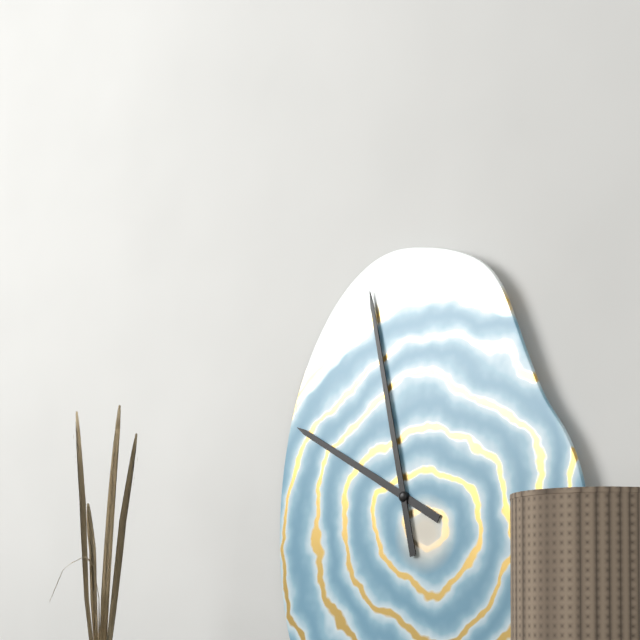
9h58
